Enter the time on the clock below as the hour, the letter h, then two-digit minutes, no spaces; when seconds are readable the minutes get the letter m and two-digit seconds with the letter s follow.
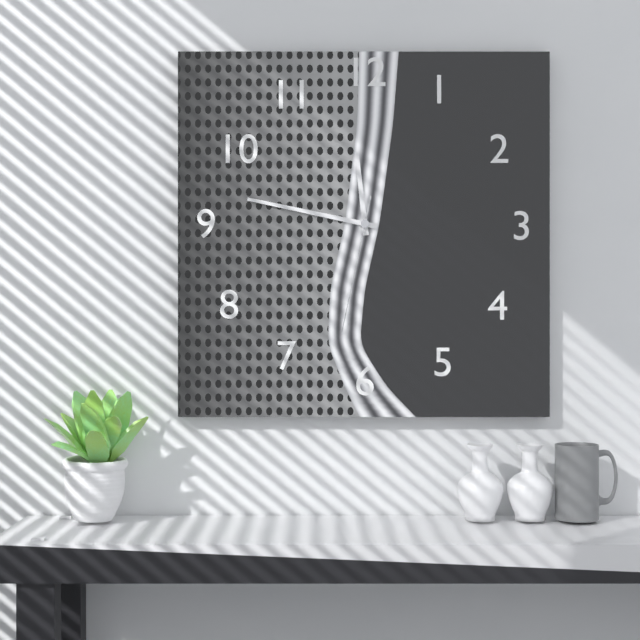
11h47m32s
